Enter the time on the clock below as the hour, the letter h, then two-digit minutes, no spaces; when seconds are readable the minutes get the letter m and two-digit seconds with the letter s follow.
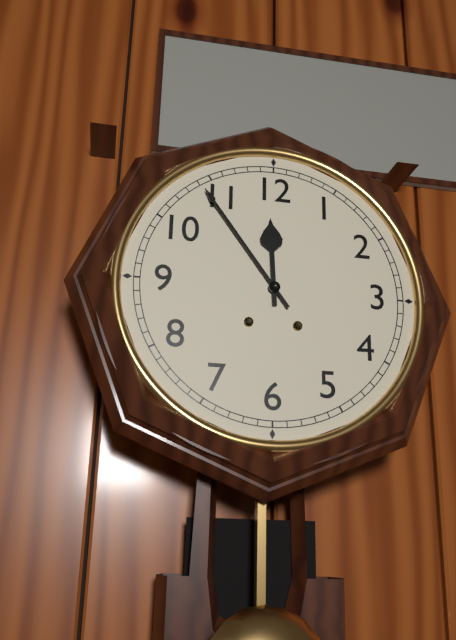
11h54
